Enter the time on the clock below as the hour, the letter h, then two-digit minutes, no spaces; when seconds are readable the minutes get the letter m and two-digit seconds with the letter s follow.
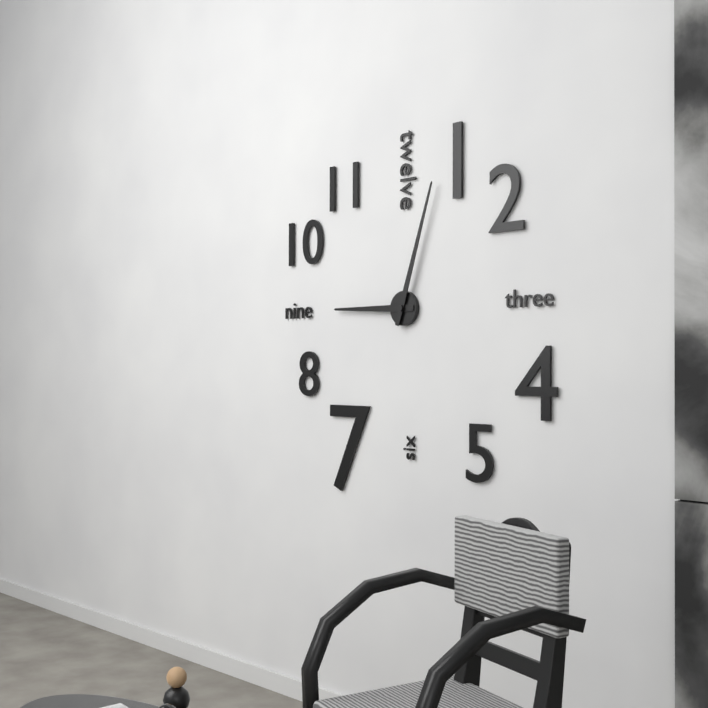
9h03
